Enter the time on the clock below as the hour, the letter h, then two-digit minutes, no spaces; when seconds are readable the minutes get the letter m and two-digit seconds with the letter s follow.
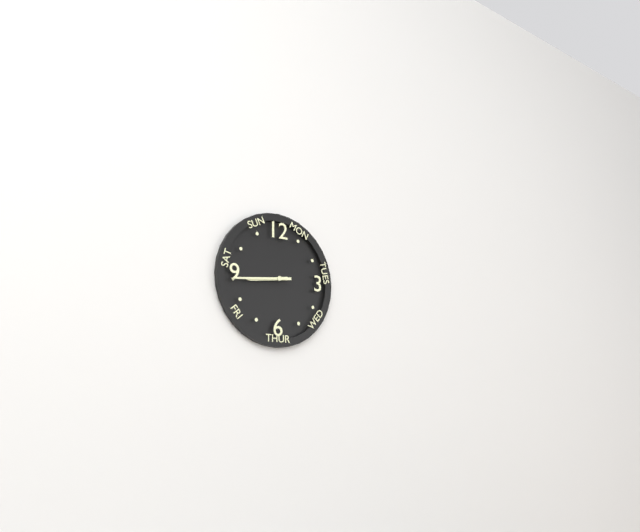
8h44
